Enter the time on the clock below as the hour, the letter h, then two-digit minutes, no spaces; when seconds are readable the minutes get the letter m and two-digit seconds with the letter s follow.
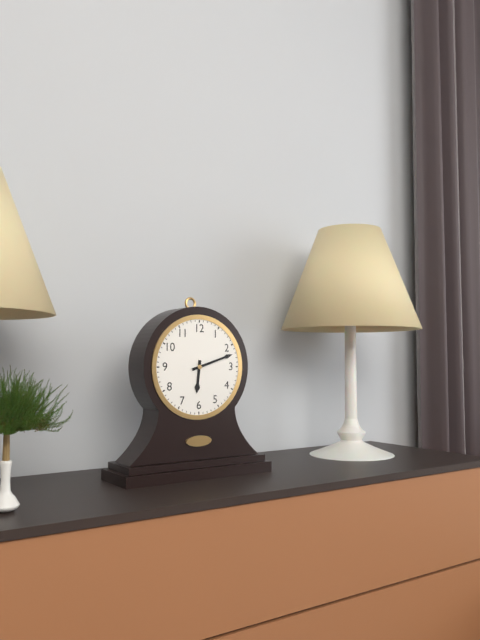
6h12
